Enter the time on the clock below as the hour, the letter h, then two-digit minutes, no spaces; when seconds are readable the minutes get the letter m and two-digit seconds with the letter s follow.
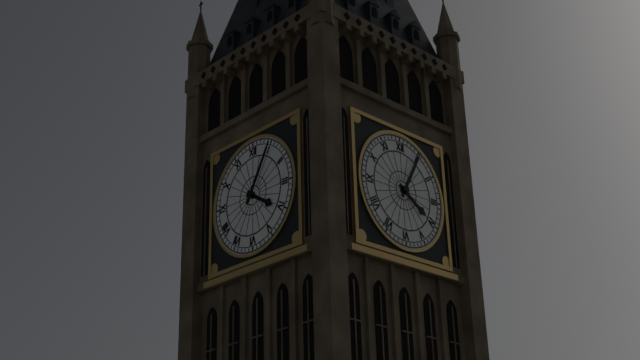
4h05
